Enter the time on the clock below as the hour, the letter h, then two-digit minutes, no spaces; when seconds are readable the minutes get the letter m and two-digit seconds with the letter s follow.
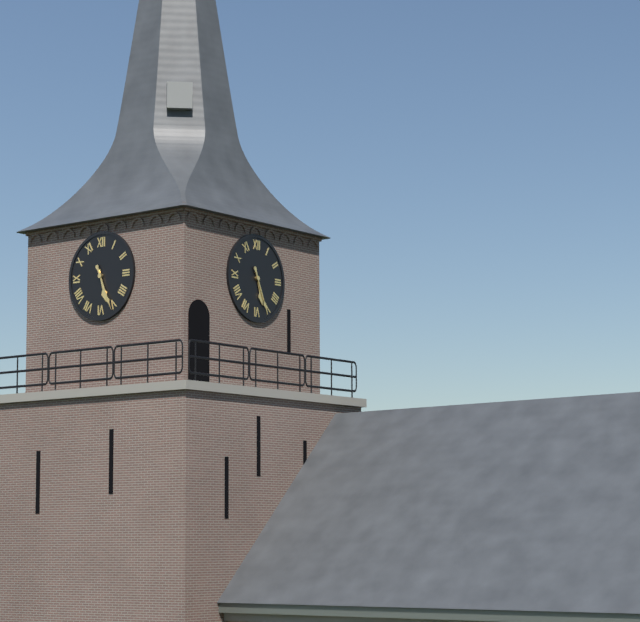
5h26
